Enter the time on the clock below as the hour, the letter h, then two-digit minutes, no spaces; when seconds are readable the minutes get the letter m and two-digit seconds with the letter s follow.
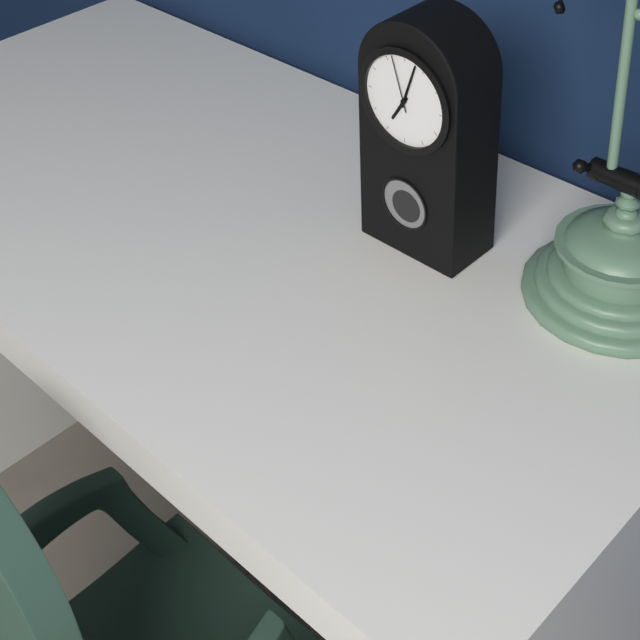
7h03m57s
